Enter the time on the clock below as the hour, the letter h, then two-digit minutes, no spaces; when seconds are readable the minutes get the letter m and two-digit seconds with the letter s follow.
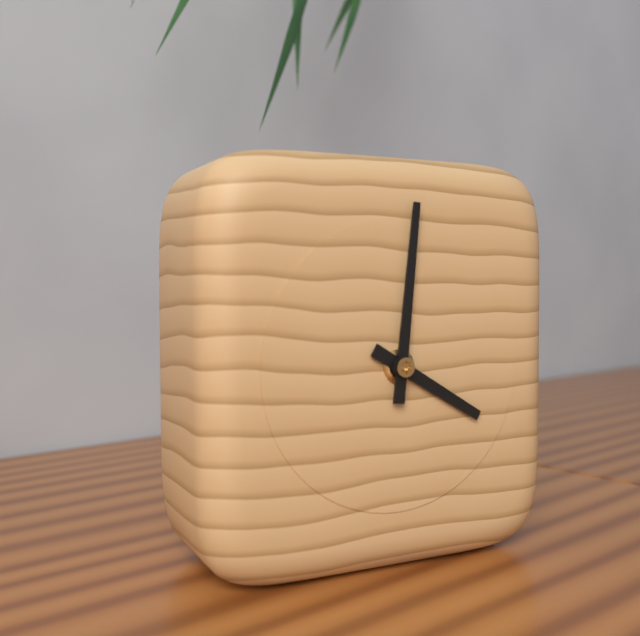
4h01
